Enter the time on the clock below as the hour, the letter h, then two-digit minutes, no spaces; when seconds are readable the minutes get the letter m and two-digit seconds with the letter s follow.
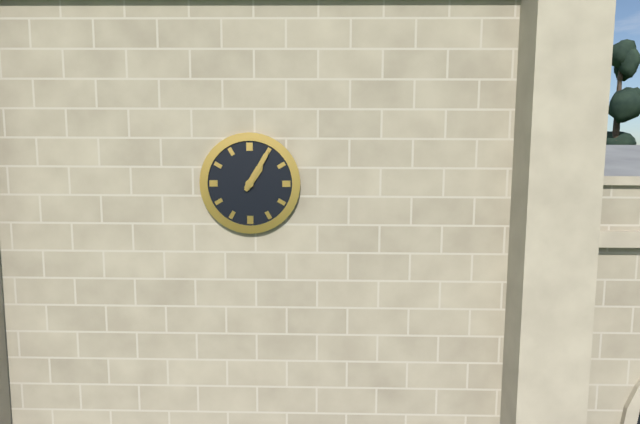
1h05
